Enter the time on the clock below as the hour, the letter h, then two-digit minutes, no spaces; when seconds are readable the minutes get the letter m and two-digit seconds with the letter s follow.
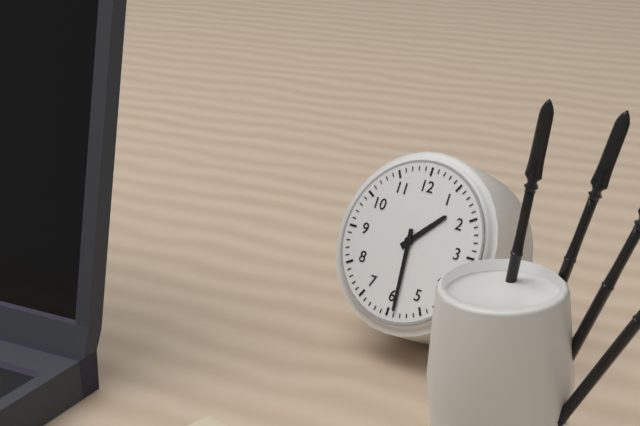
1h29
